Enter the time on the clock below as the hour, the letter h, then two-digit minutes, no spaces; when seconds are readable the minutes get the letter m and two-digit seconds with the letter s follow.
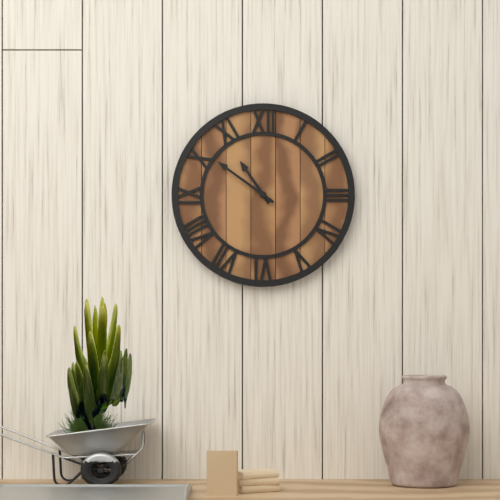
10h51
